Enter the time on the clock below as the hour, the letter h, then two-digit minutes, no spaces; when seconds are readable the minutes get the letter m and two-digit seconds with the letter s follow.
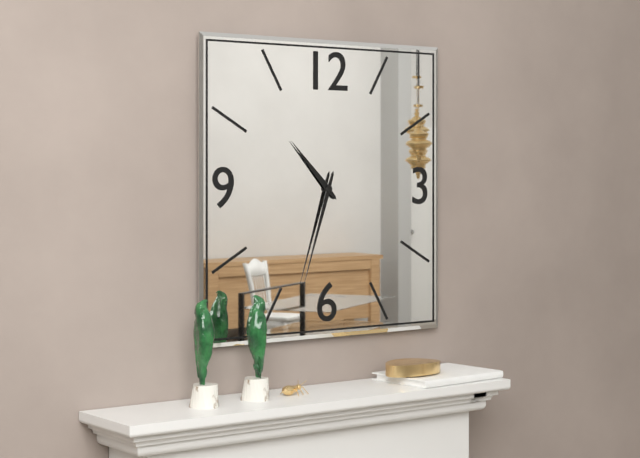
10h33
